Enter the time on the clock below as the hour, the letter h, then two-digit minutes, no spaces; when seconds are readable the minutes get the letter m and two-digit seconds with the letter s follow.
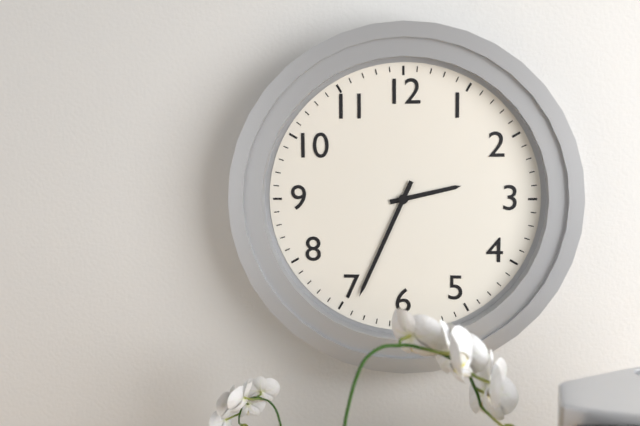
2h34
